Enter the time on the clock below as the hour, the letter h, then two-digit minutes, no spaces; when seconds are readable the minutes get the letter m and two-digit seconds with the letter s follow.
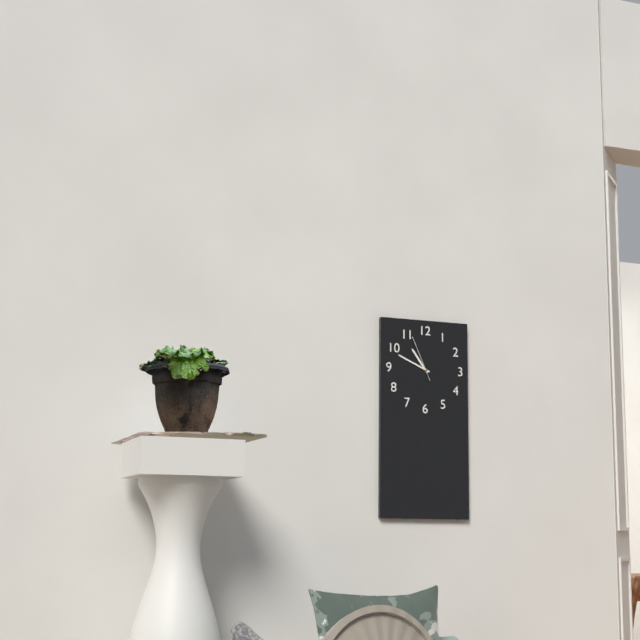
10h49
